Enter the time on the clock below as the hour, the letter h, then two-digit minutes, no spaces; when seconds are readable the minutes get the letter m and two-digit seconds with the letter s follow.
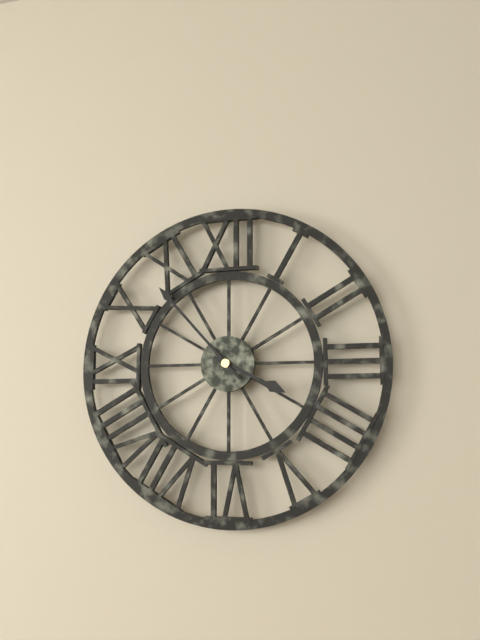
3h53
